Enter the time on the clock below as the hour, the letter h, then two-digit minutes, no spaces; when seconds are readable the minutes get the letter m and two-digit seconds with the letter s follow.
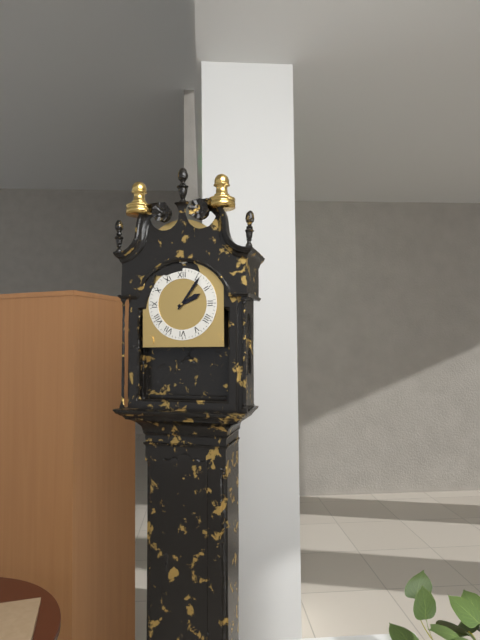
2h06
